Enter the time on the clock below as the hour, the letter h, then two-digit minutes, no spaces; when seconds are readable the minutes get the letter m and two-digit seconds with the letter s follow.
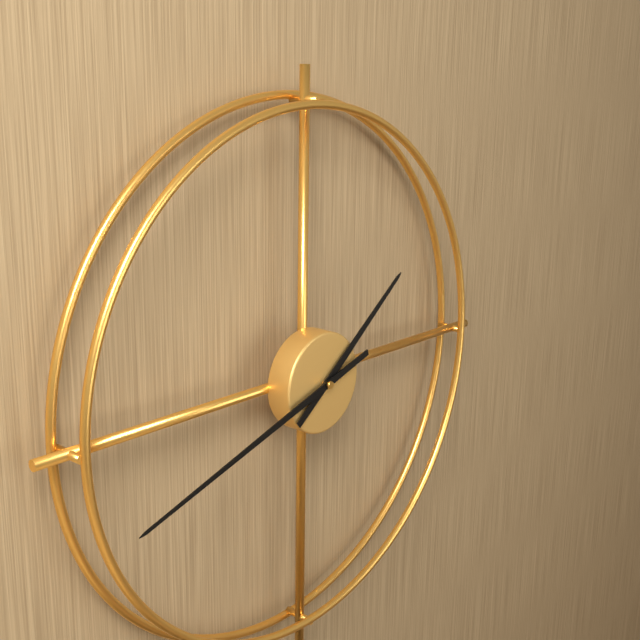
1h42
